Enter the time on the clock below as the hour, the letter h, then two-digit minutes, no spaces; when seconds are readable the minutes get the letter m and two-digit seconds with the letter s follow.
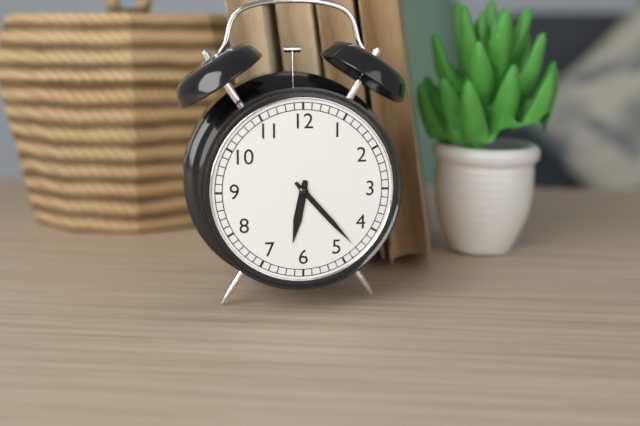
6h23
